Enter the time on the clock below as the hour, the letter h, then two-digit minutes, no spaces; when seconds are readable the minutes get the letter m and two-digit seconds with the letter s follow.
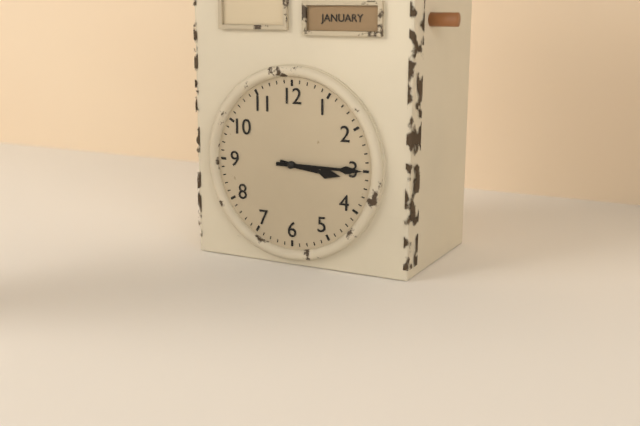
3h15
